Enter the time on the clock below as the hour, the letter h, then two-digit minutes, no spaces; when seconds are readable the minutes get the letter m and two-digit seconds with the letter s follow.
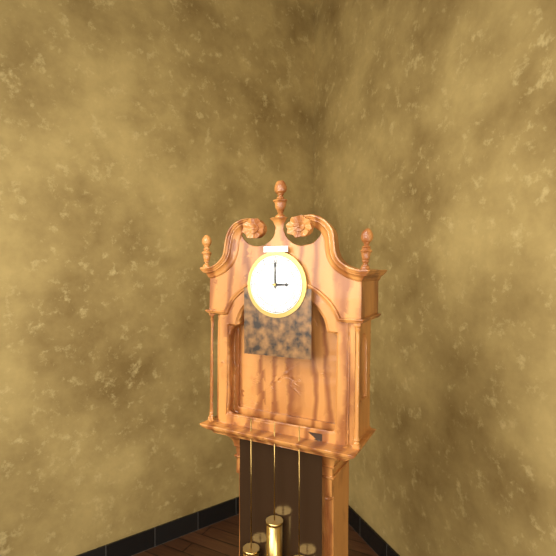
3h00
